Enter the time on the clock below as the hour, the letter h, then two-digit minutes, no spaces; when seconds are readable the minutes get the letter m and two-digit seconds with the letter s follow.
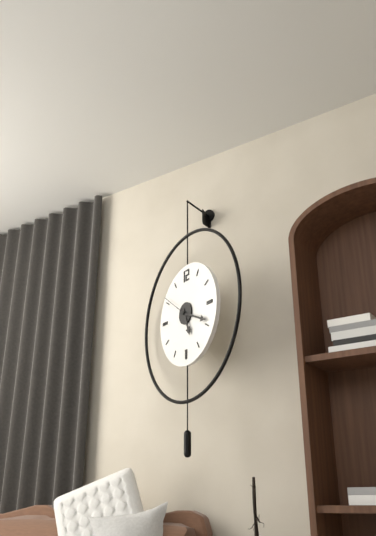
5h19
